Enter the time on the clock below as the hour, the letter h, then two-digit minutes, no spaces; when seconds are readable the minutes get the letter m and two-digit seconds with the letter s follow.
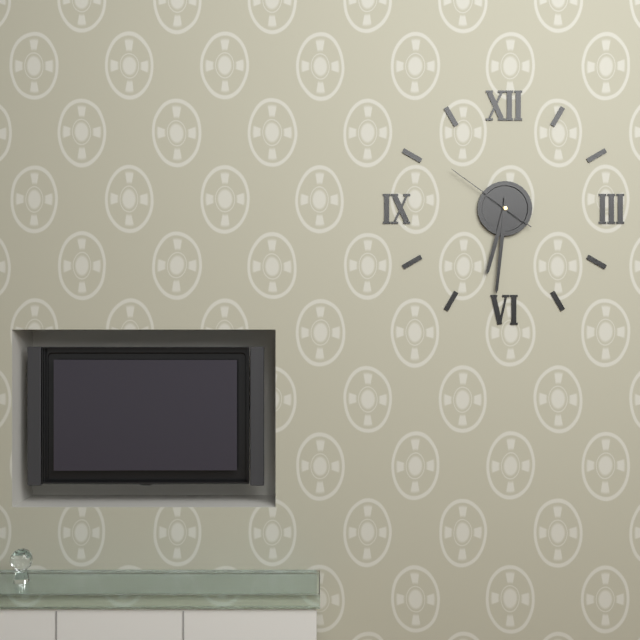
6h31m51s
